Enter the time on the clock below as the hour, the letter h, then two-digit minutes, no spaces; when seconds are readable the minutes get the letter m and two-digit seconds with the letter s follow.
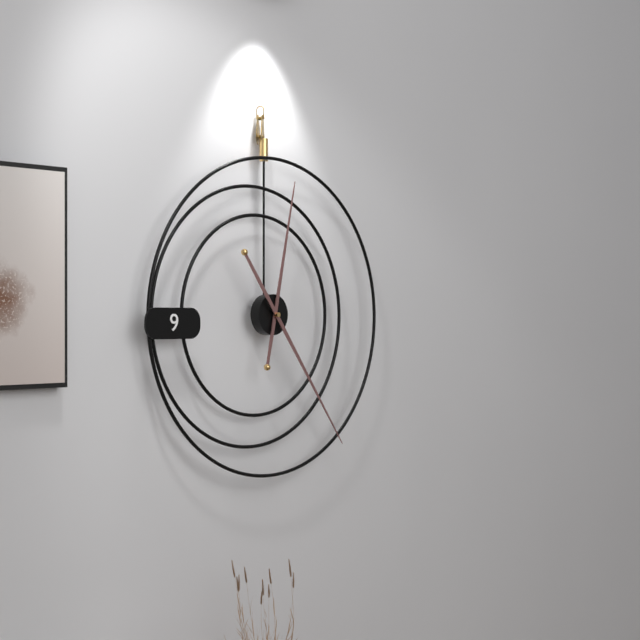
12h24
